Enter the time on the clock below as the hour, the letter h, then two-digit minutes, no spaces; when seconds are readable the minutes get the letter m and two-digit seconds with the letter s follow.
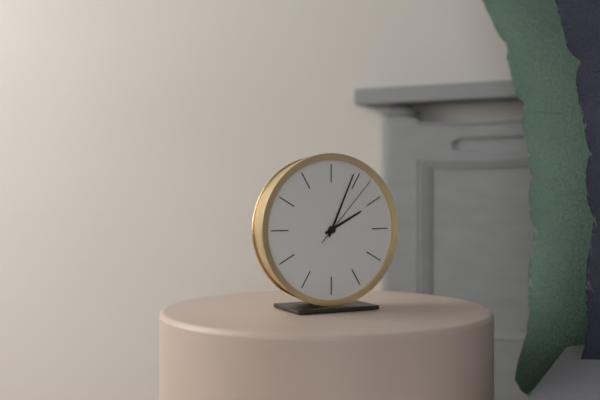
2h04m07s
